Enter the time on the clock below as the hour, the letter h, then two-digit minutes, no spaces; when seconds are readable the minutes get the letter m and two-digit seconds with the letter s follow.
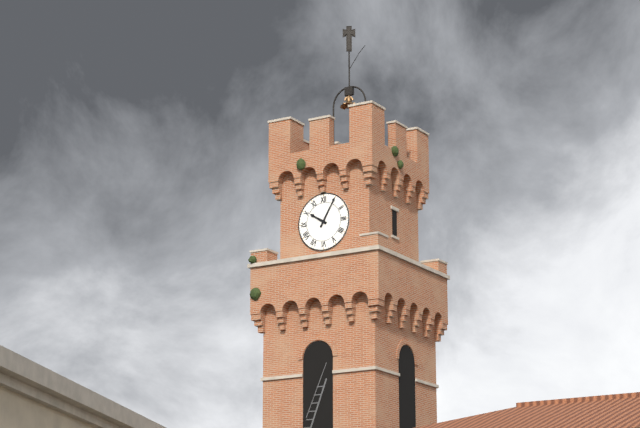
10h05
